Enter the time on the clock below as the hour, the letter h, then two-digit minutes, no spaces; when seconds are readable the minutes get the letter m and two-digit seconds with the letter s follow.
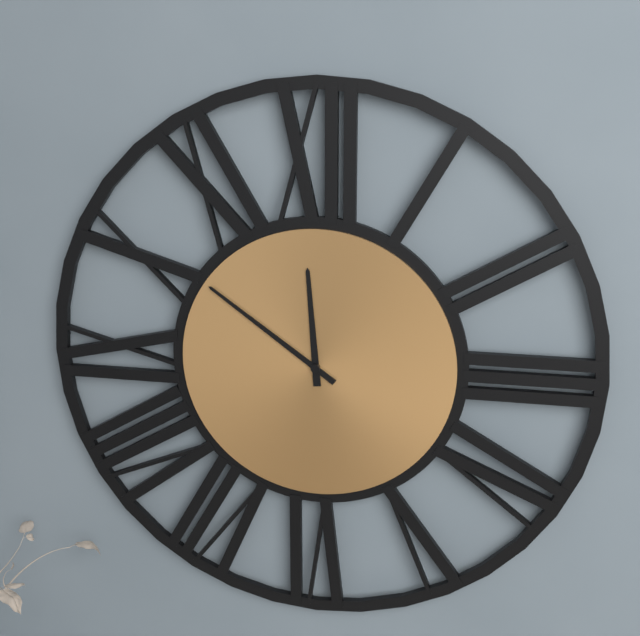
11h51
